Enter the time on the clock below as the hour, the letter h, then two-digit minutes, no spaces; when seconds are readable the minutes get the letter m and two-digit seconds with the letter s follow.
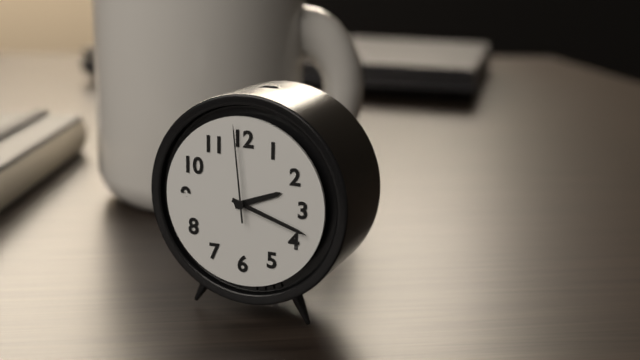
2h18m59s
